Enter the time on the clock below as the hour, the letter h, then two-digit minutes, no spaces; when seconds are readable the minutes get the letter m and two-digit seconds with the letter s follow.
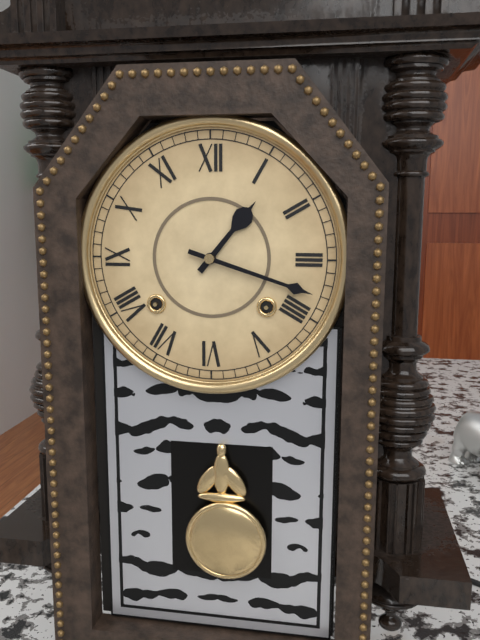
1h18
